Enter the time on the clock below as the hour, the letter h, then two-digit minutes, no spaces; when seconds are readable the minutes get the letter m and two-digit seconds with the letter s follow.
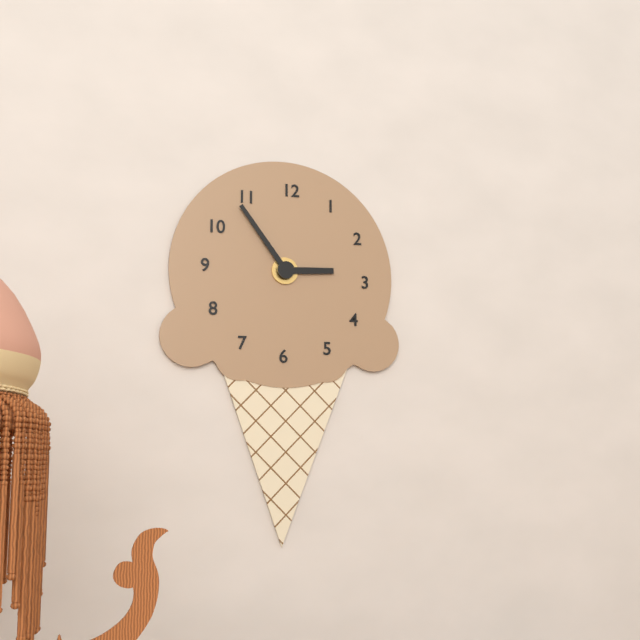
2h54
